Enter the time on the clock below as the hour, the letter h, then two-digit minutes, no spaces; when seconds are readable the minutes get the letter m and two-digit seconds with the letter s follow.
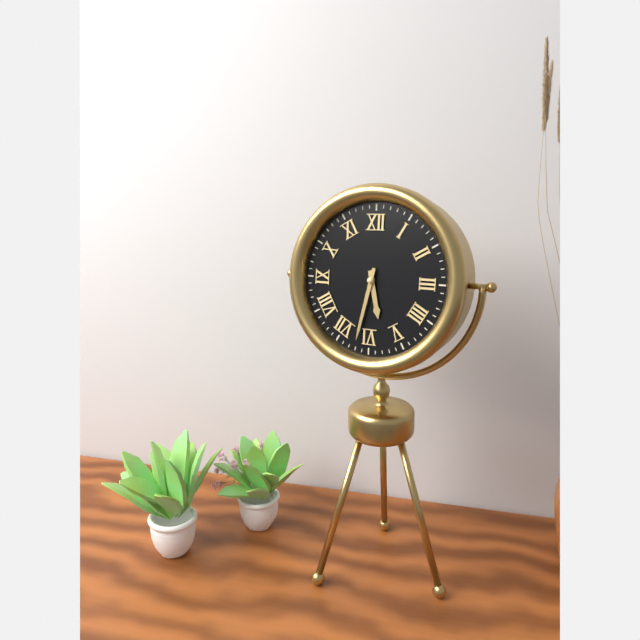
5h32
